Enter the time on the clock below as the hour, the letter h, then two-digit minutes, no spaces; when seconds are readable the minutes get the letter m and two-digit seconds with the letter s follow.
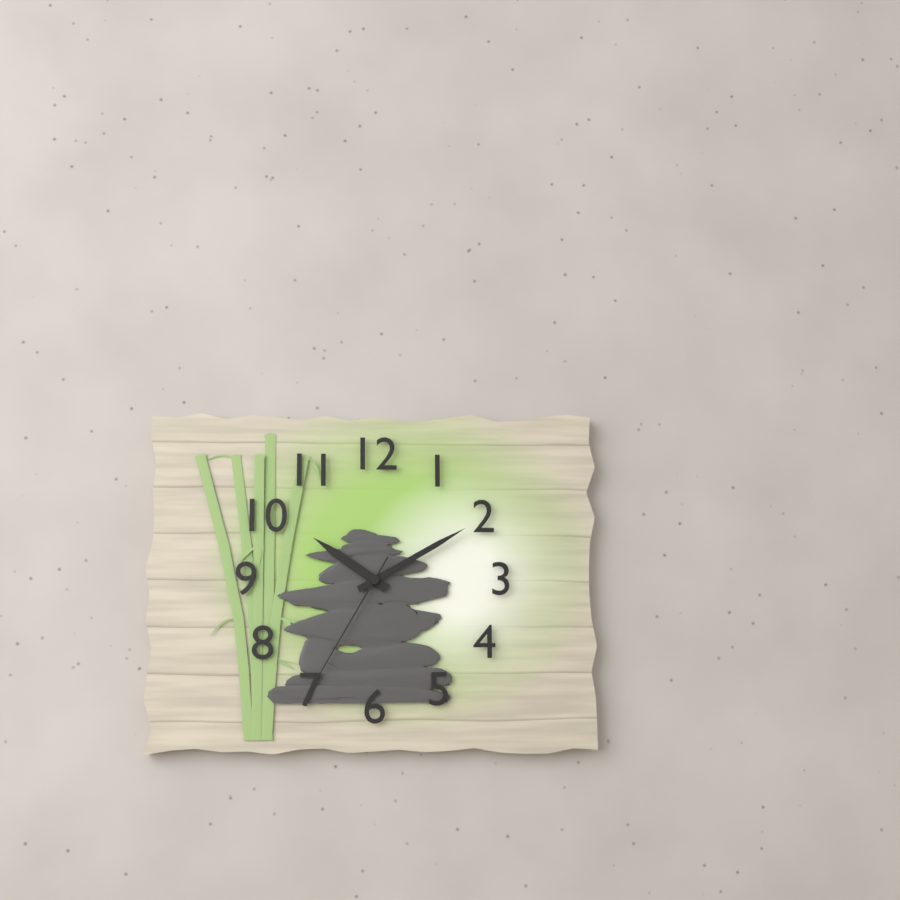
10h10m35s
